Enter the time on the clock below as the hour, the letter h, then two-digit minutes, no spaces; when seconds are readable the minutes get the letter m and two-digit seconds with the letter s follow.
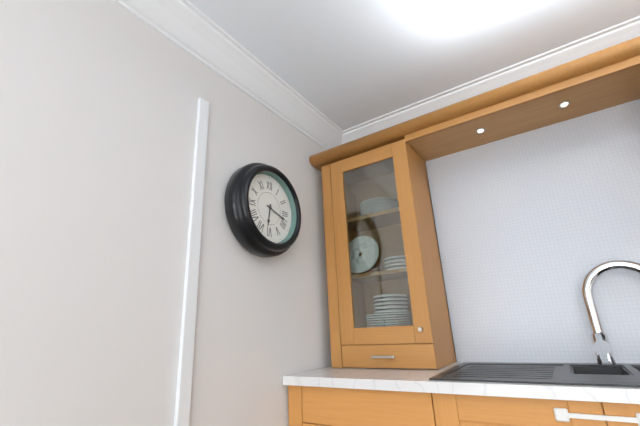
6h18
